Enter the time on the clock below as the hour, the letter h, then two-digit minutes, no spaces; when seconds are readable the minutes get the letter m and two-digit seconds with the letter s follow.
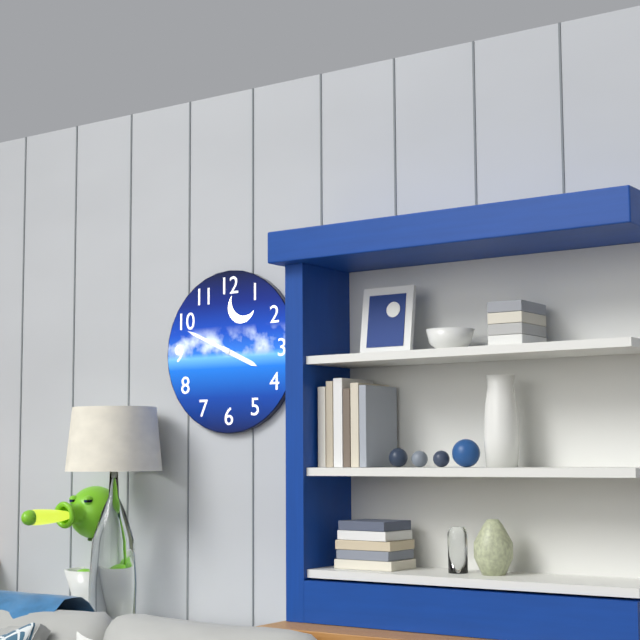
3h49
